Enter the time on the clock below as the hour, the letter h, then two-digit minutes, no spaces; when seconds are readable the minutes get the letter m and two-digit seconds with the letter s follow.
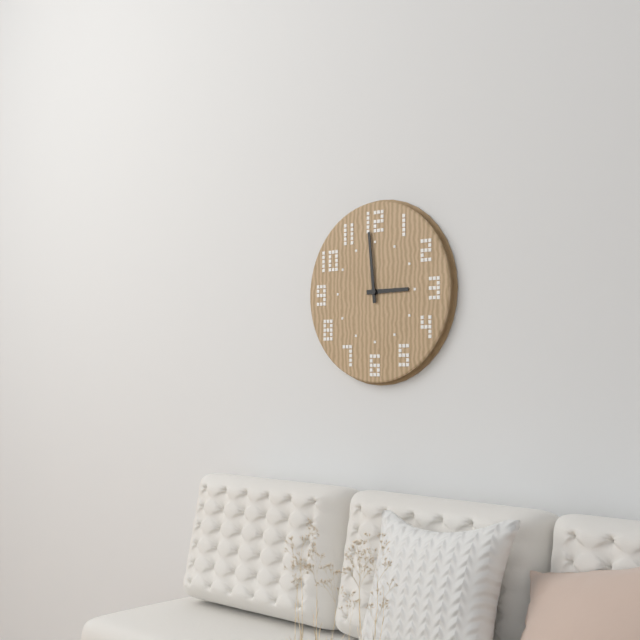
2h59
